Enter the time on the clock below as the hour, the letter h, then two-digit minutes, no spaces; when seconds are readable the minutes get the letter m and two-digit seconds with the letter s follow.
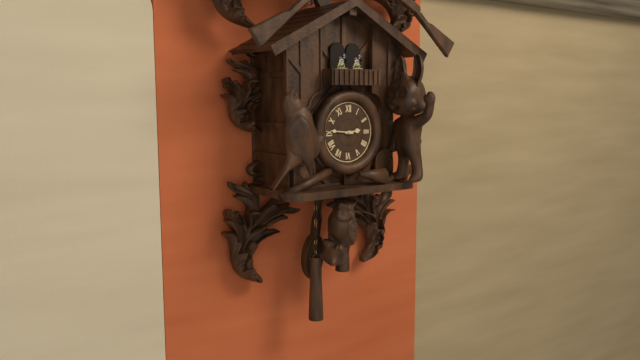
2h46
